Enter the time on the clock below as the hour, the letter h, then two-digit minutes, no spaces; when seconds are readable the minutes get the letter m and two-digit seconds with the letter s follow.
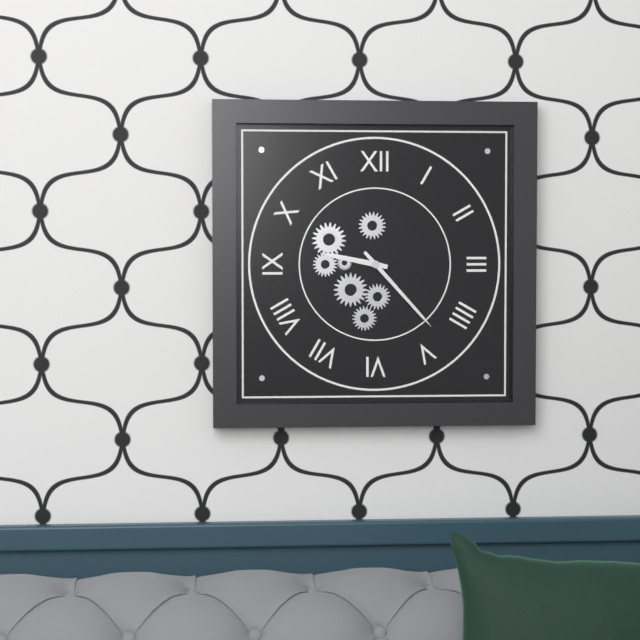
9h23
